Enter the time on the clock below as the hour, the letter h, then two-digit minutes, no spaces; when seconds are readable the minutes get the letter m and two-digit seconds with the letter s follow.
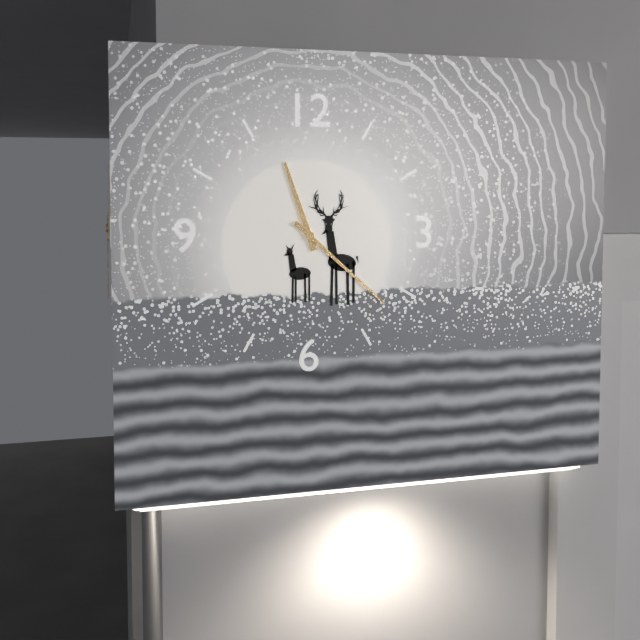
11h22
